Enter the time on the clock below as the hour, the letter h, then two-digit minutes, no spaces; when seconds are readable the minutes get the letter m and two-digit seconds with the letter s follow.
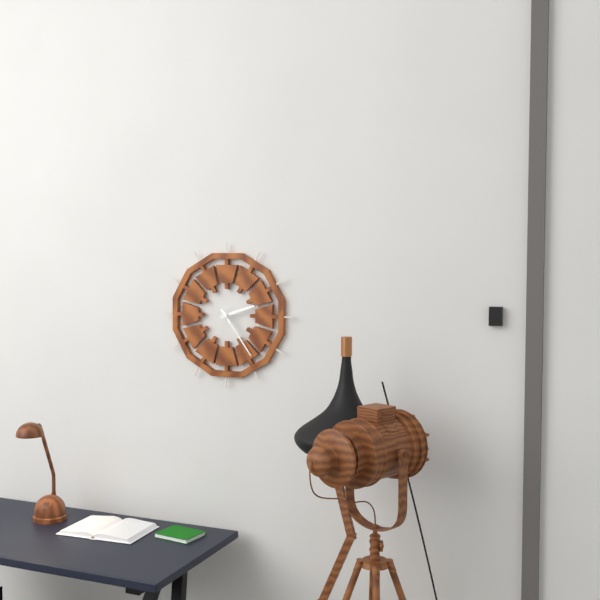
2h24
